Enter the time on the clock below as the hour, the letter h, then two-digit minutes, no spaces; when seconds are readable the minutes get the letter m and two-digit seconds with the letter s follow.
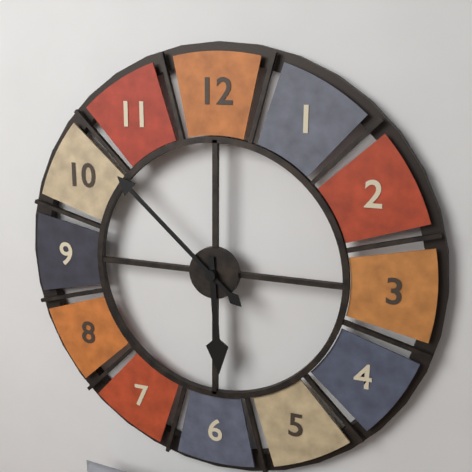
5h52
